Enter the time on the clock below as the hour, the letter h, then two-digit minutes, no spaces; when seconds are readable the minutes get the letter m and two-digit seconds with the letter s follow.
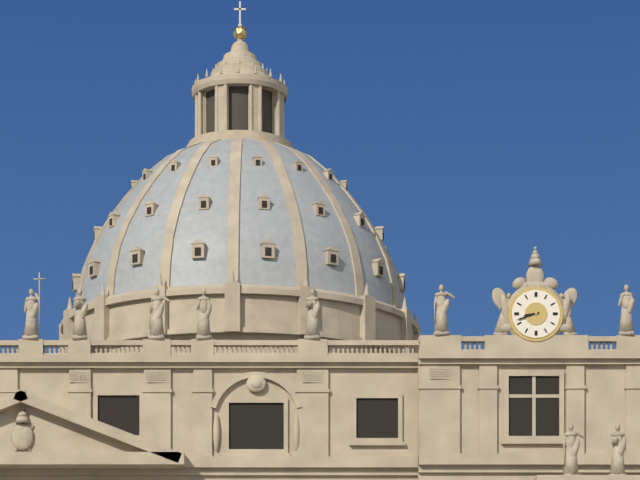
8h42
